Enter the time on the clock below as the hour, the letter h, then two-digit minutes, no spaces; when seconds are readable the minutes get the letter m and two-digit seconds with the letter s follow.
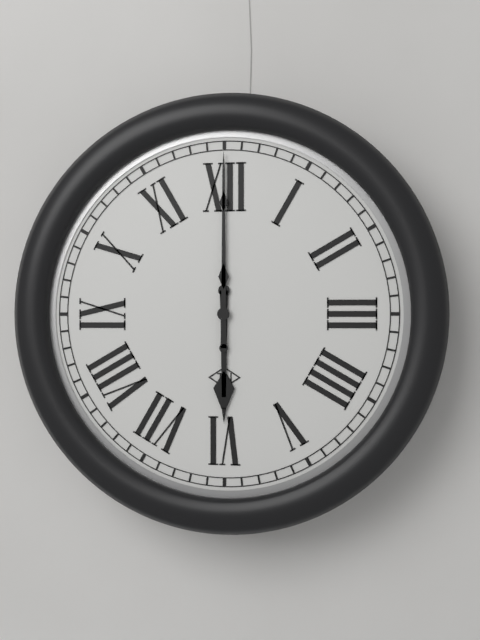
6h00
